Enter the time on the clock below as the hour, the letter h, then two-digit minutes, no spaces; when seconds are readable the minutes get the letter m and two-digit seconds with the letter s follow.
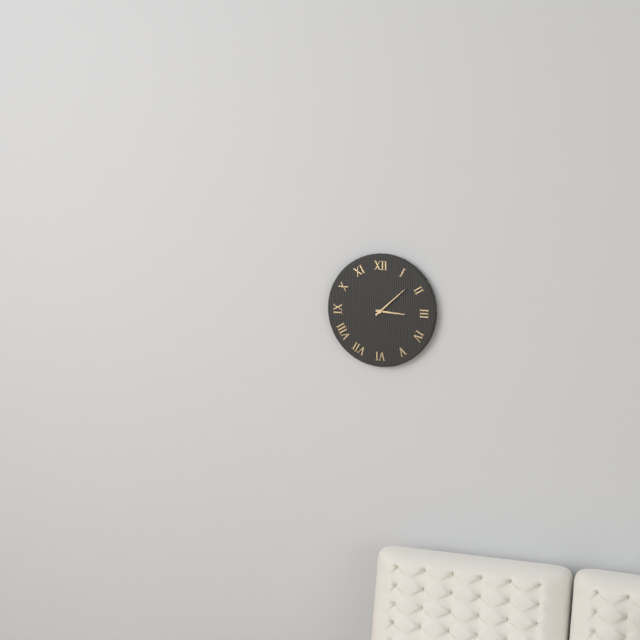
3h08
